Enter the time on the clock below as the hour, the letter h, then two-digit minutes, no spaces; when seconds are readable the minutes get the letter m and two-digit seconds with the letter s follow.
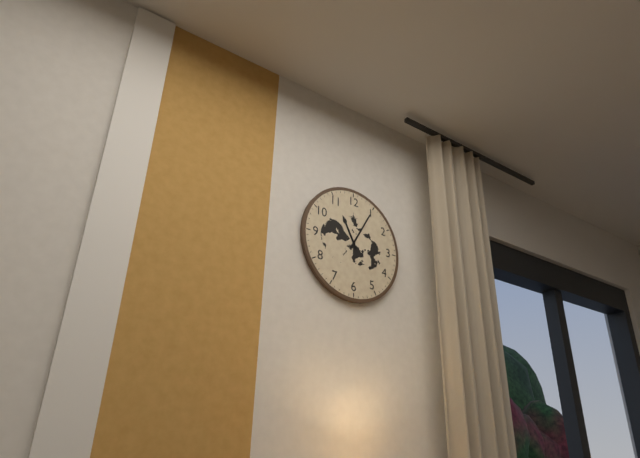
11h05
